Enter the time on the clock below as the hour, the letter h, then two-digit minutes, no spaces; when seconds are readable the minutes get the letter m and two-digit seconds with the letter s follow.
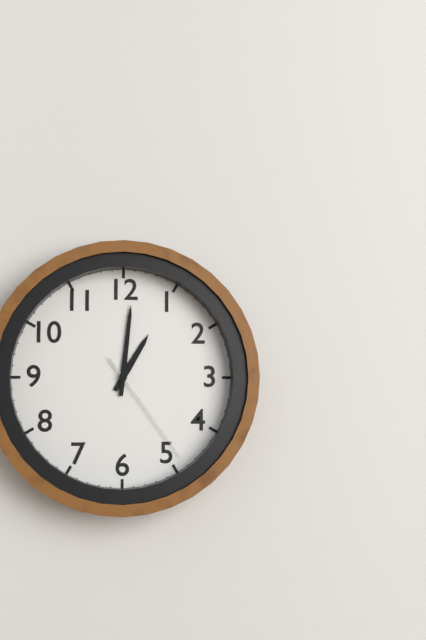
1h01m24s
